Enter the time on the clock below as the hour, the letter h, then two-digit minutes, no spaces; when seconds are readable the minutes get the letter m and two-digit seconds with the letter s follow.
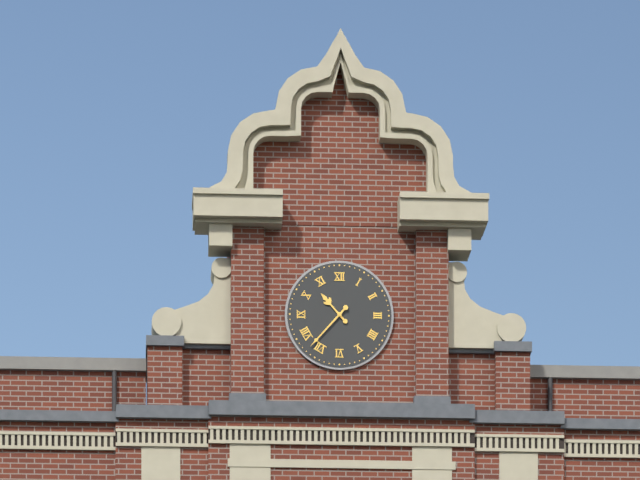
10h37
